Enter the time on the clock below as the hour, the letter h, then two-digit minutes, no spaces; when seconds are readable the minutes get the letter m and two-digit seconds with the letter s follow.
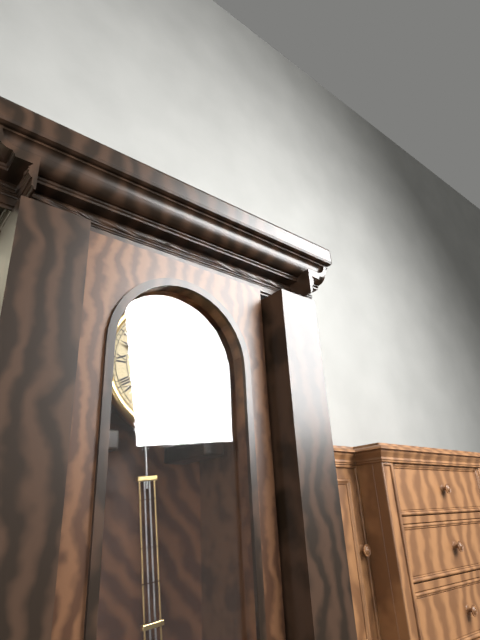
7h48
